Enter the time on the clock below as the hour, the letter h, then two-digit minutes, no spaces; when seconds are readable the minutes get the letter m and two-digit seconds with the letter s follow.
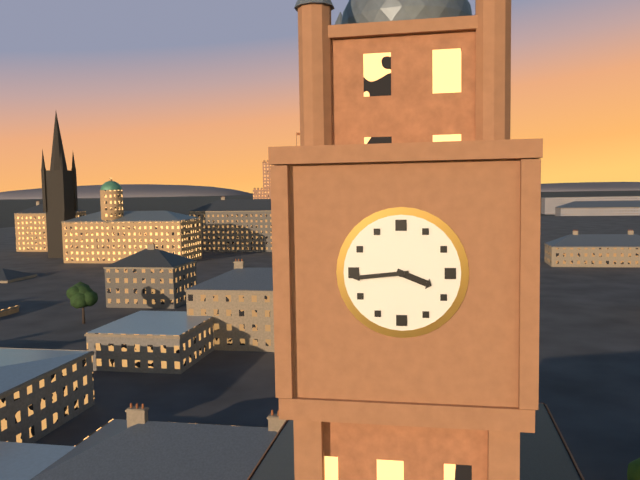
3h44
